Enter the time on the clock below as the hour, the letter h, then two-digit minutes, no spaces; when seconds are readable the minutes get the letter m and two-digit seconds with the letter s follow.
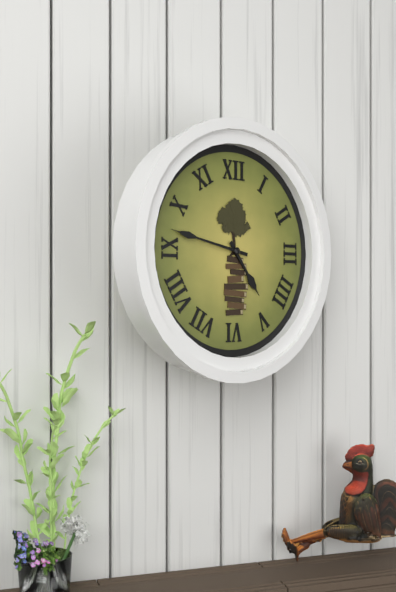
4h47
